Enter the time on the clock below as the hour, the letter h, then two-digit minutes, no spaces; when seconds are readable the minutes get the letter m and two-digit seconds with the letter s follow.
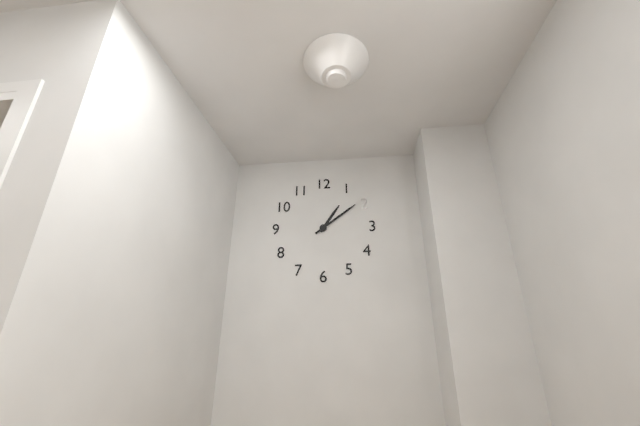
1h09
